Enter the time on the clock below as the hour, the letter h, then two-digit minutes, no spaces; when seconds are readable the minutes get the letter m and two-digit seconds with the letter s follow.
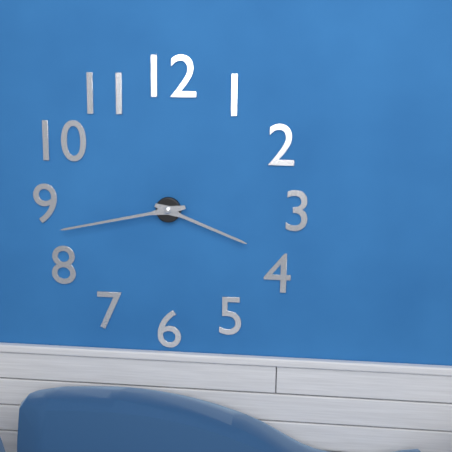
3h43
